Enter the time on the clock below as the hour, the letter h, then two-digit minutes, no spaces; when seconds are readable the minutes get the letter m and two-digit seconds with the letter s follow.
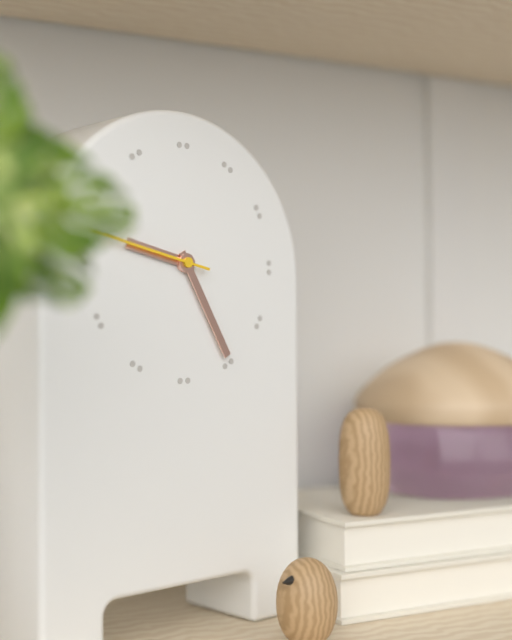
9h25
